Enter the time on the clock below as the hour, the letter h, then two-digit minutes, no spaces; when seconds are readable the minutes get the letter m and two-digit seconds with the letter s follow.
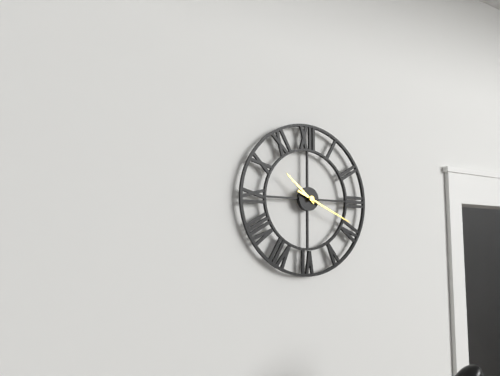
10h19
